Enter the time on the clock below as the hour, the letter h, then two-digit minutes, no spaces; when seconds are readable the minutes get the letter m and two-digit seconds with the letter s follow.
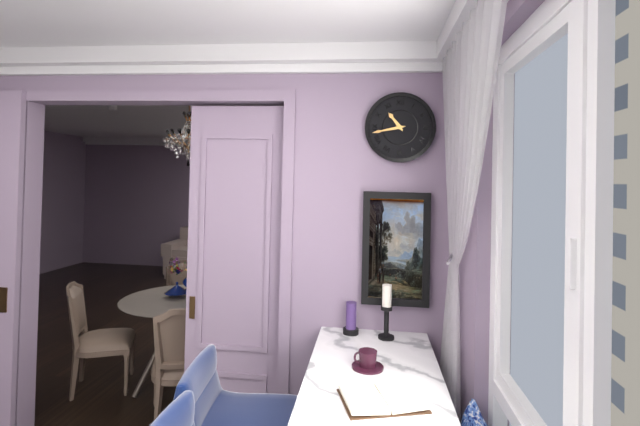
10h43
